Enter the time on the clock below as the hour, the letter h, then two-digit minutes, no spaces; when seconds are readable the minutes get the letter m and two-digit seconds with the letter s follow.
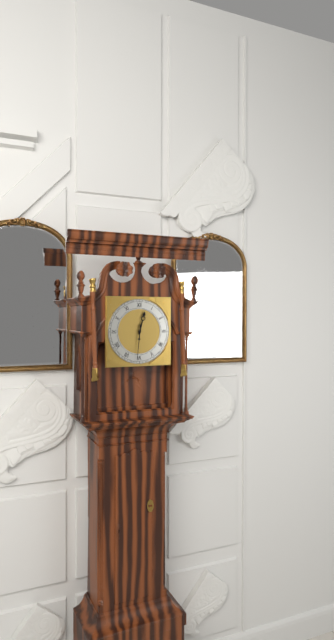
12h31
